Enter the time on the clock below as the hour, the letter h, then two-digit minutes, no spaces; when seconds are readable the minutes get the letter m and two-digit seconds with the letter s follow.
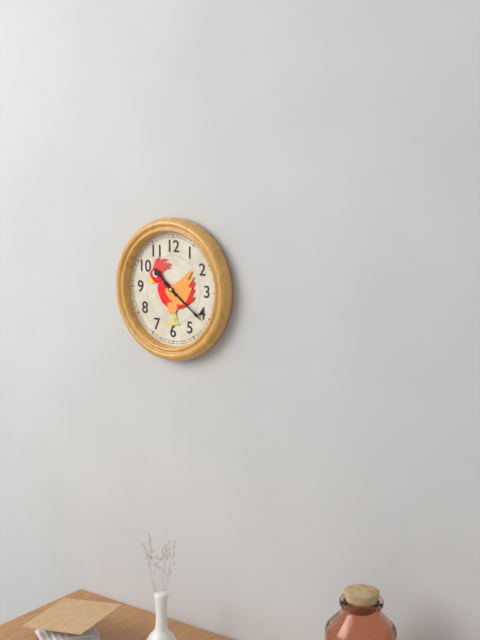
10h21
